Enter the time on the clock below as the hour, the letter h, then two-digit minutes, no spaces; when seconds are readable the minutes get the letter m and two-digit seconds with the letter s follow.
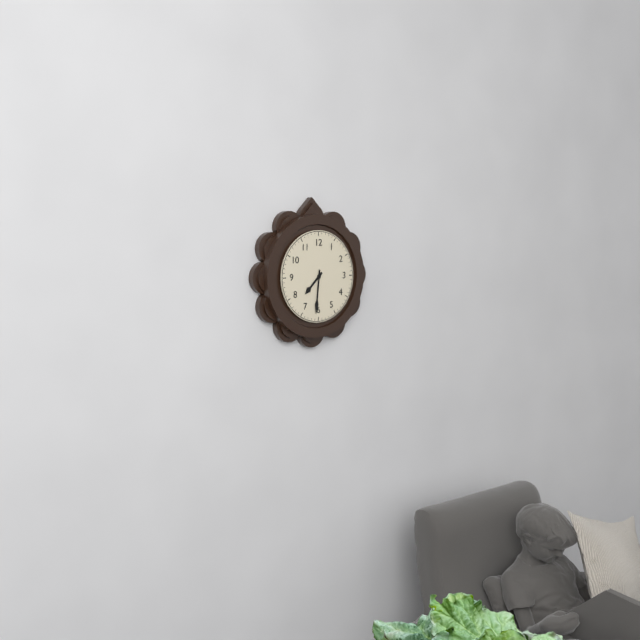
7h31
